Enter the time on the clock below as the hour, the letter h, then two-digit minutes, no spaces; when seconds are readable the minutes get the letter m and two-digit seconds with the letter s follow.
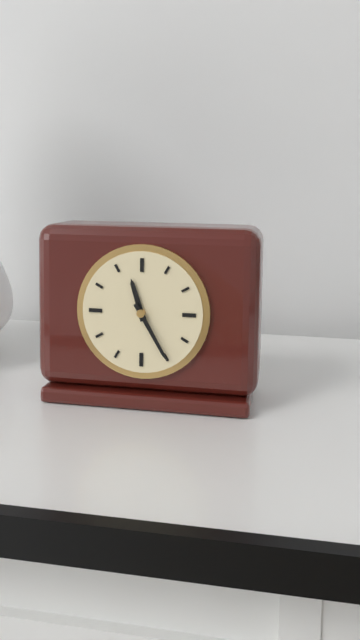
11h25
